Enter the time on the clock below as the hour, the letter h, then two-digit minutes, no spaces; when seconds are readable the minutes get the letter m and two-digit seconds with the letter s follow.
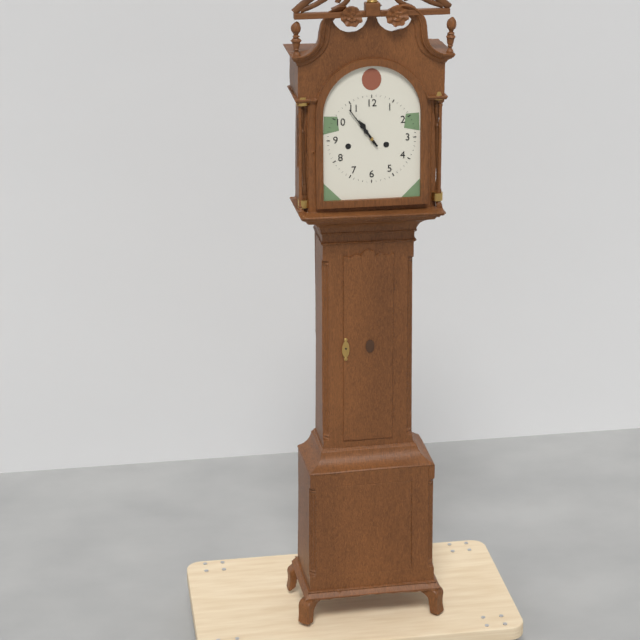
10h54
